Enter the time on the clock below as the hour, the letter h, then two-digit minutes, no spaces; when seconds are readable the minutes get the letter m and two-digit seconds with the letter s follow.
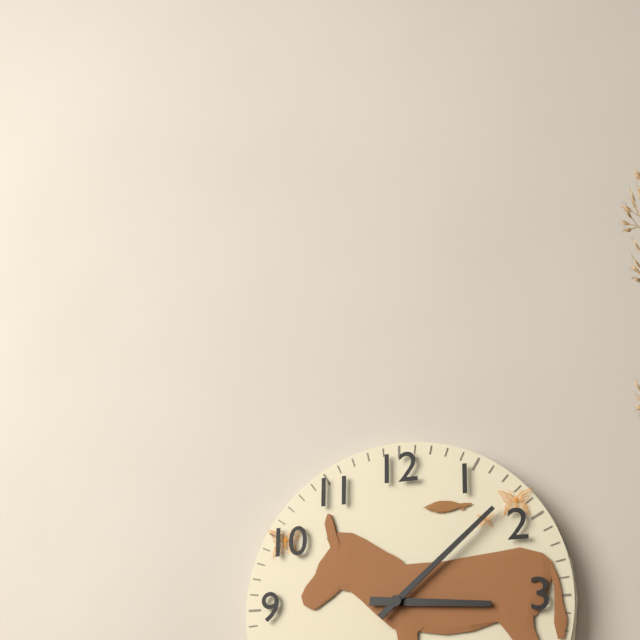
3h08
